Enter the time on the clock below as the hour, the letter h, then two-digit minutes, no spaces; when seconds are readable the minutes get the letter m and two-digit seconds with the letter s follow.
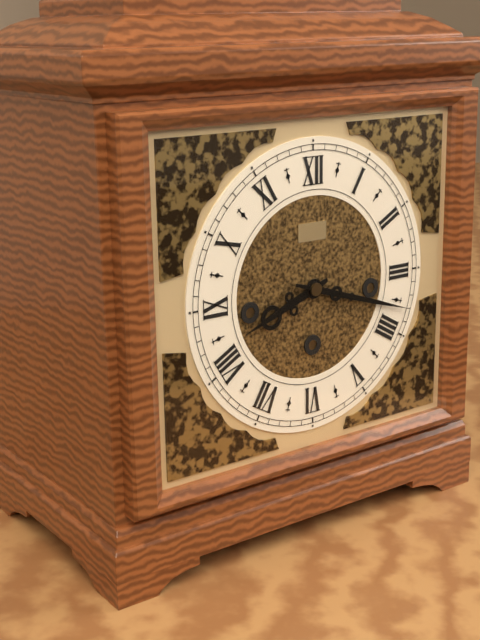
8h18
